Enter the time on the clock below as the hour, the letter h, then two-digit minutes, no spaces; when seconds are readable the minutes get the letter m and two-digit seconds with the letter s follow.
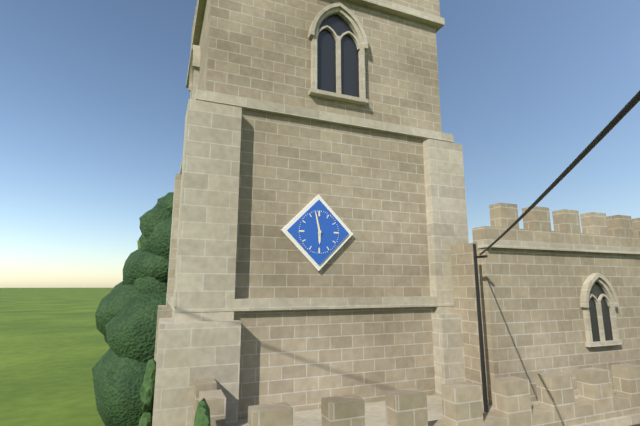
5h58
